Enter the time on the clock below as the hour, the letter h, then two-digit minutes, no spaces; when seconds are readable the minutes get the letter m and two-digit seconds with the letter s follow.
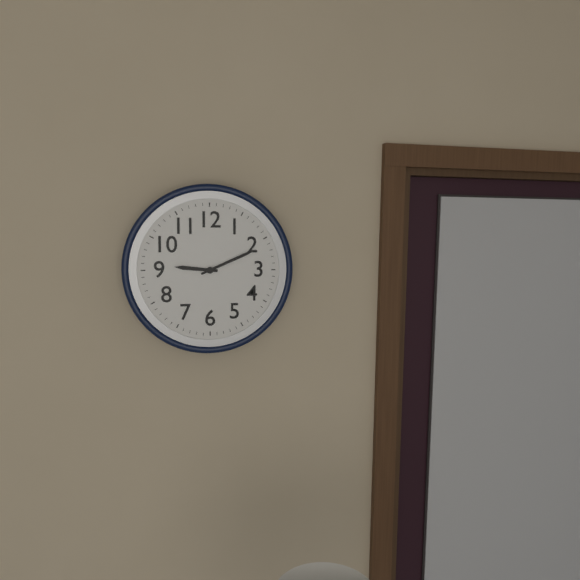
9h11
